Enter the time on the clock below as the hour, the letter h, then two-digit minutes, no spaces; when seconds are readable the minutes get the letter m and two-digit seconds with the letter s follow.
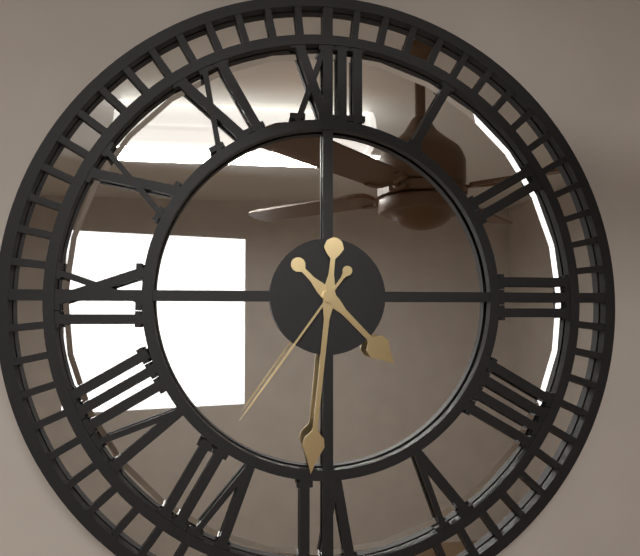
4h31m36s
